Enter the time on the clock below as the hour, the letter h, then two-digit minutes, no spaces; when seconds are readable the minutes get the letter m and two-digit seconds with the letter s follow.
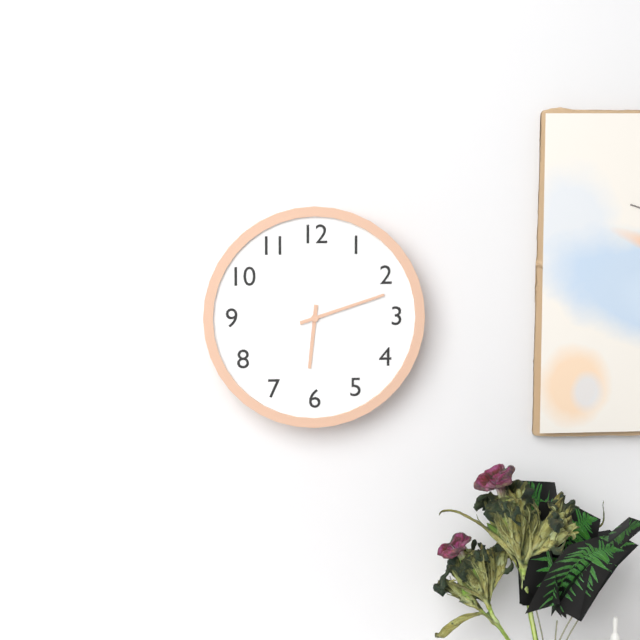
6h12
